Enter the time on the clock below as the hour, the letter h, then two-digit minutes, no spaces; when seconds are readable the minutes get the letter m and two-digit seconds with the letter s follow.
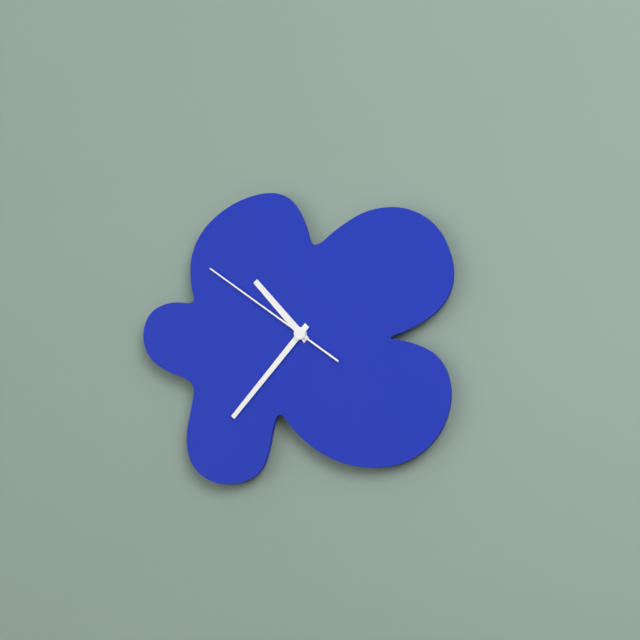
10h37m51s
